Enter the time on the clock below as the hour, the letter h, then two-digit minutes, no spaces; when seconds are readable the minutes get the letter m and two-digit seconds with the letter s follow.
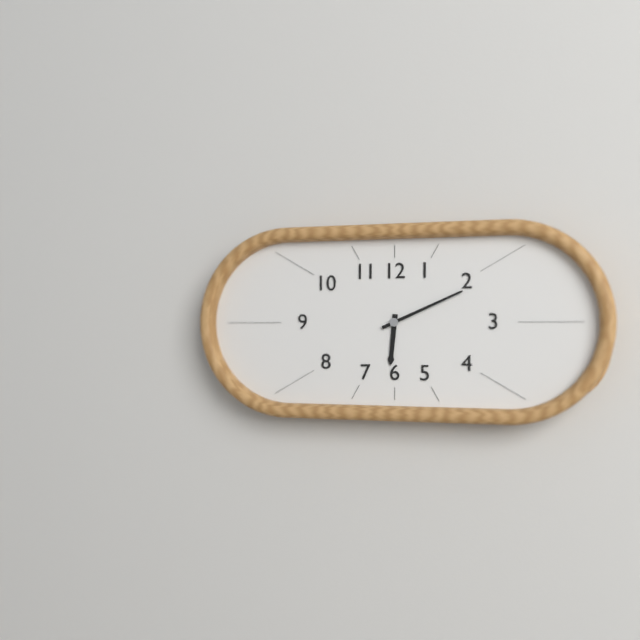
6h11
